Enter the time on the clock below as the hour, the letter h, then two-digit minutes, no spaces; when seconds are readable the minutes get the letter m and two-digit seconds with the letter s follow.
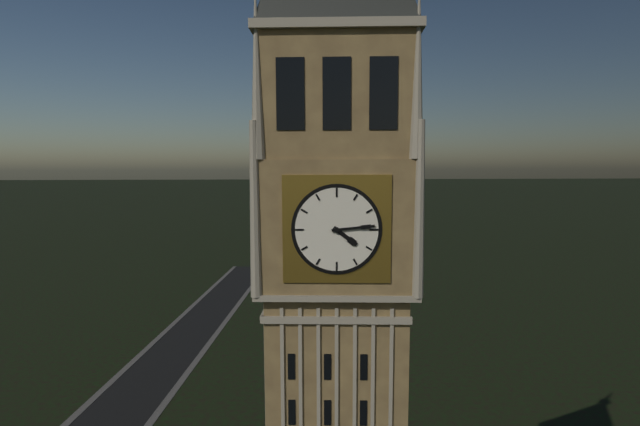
4h14
